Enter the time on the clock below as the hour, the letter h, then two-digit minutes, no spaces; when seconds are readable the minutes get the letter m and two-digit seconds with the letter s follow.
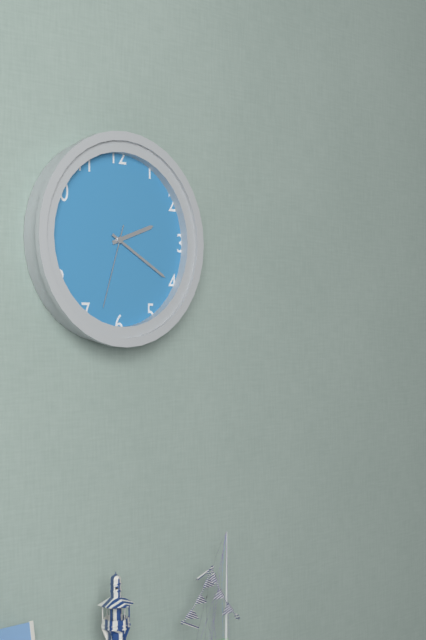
2h20m33s
